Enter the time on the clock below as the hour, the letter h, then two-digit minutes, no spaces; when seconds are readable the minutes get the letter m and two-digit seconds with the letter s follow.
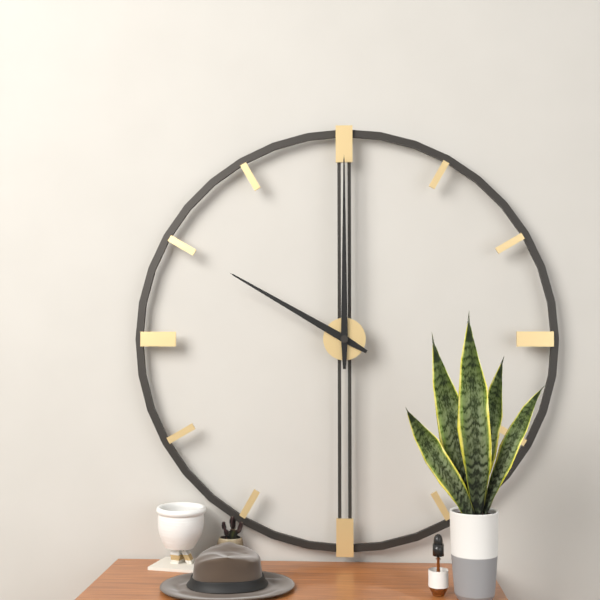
10h00
